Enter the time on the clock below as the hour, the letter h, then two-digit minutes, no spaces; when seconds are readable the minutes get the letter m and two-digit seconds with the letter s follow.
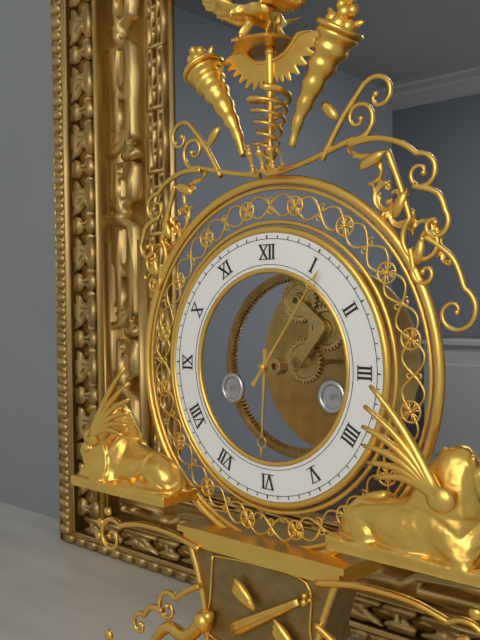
6h06
